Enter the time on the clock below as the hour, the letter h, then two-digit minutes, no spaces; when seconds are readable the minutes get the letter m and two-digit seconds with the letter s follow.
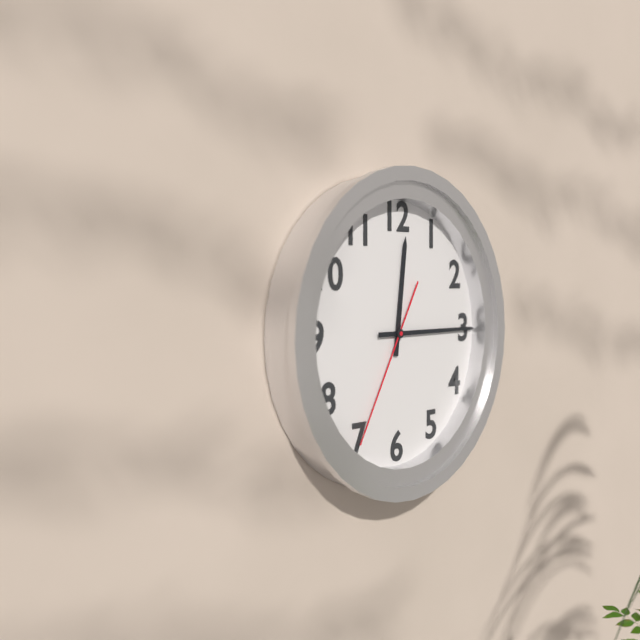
12h15m35s
